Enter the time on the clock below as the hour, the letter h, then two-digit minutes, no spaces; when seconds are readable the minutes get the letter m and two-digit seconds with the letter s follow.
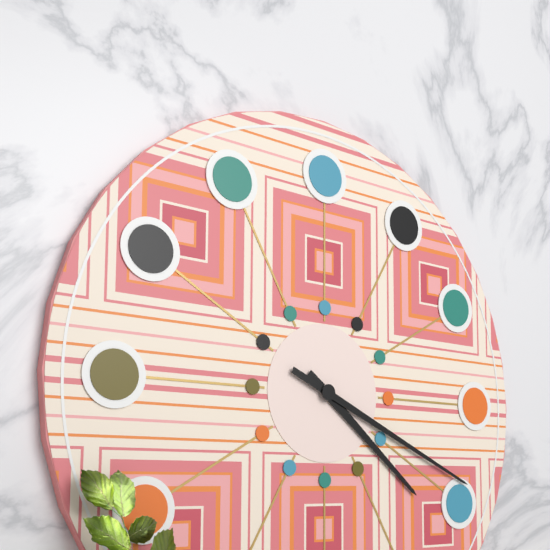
4h19
